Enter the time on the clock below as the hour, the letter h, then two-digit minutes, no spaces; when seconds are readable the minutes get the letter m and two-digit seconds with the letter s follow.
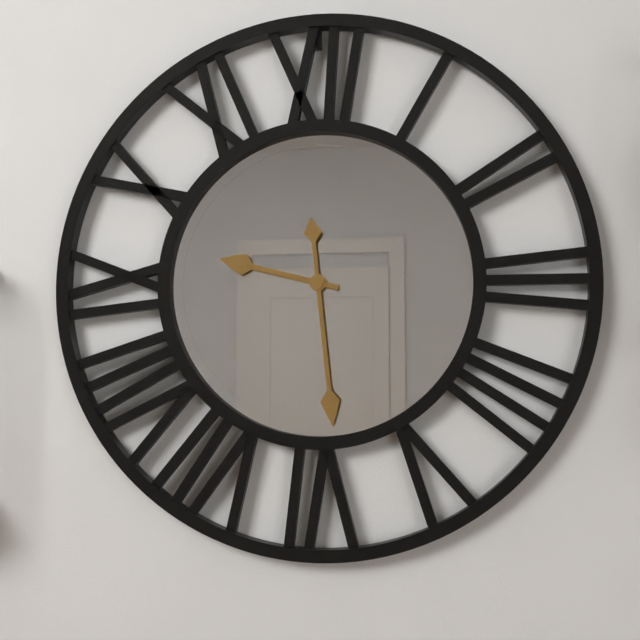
9h29
